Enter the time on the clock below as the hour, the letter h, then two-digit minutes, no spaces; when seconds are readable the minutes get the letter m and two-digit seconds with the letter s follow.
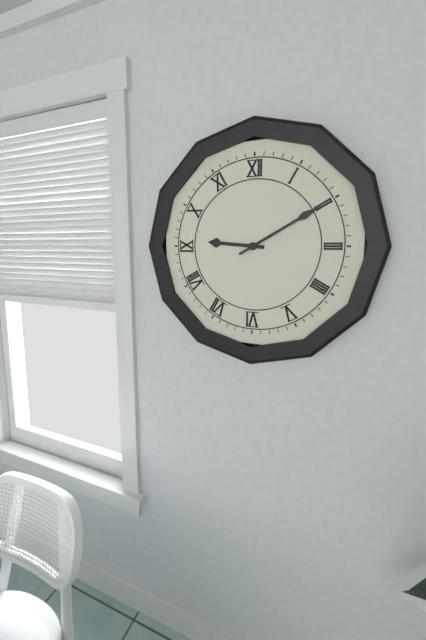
9h10
